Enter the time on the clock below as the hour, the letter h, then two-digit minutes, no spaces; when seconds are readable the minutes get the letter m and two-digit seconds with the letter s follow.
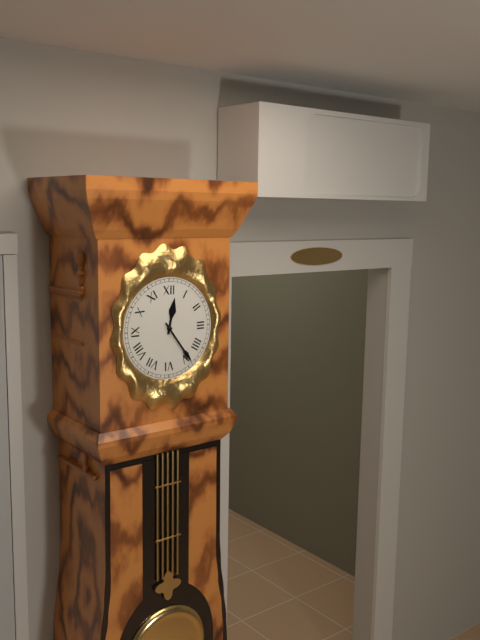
12h24
